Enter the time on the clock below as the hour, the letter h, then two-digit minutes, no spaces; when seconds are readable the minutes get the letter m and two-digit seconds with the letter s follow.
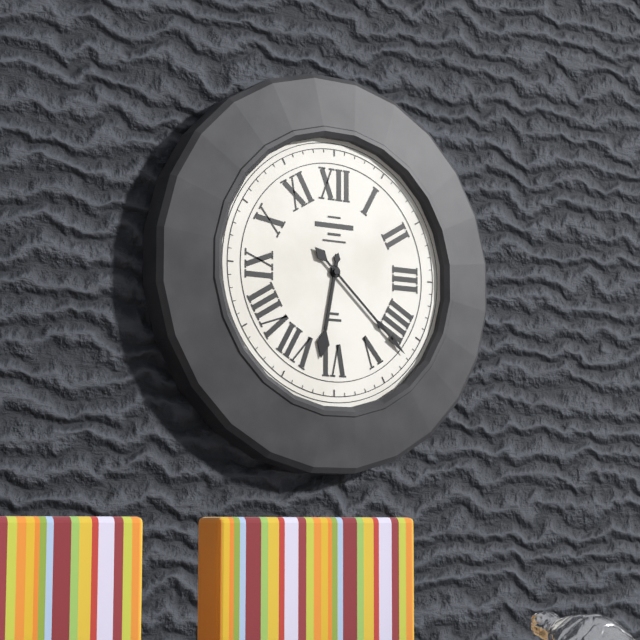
6h22
